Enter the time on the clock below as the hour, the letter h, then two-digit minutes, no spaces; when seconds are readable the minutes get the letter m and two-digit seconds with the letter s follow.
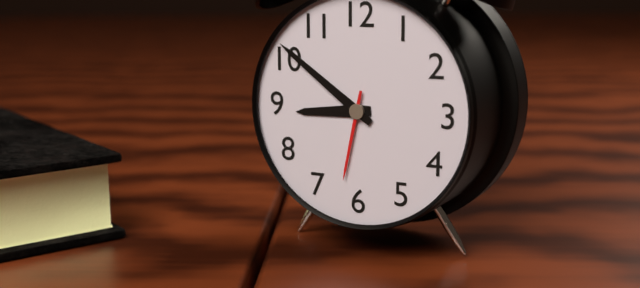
8h51m32s
